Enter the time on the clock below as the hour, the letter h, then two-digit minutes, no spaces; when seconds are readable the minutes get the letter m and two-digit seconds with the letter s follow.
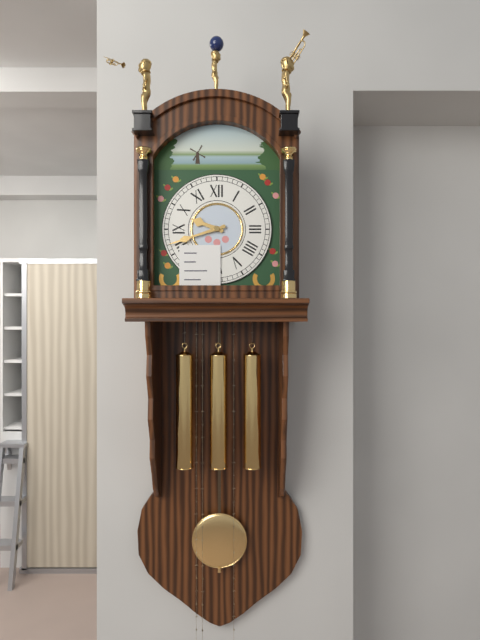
9h42
